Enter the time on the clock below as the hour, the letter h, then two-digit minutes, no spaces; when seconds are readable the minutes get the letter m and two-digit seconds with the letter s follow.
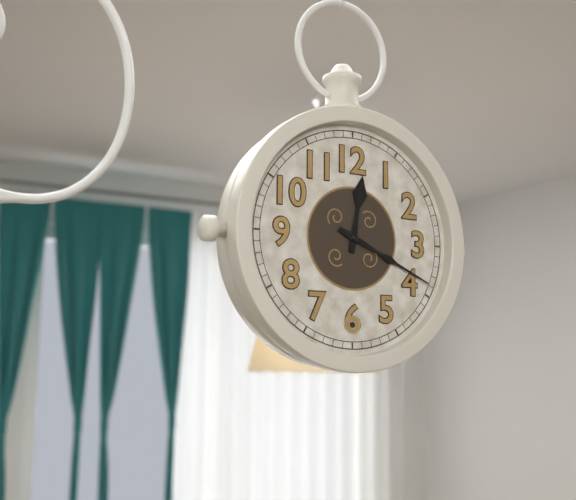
12h19
